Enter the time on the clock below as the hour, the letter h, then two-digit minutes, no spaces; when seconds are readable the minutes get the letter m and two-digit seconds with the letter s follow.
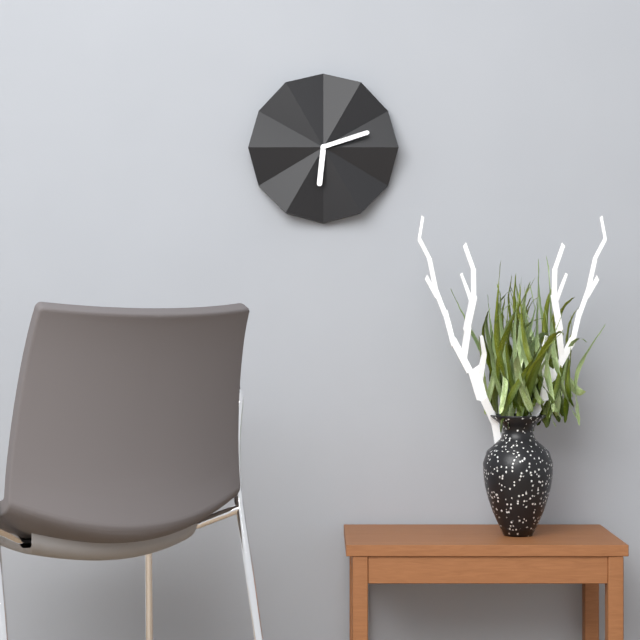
6h12
